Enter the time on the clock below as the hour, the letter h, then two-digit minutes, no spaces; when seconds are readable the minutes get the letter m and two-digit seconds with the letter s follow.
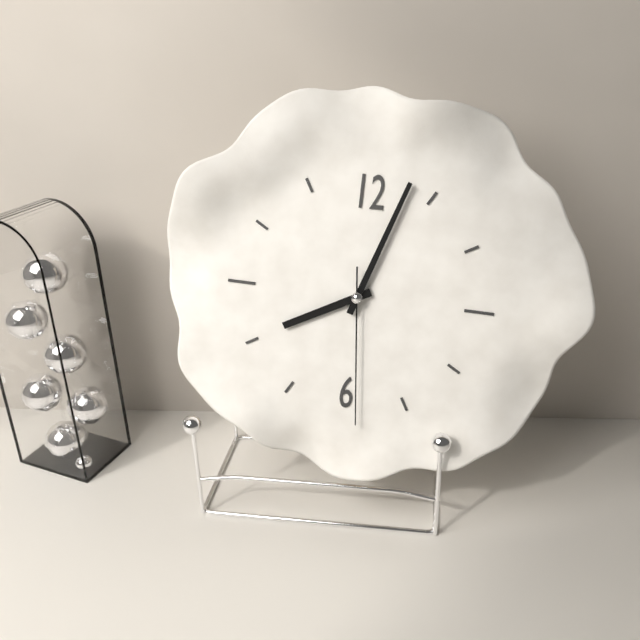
8h03m29s
